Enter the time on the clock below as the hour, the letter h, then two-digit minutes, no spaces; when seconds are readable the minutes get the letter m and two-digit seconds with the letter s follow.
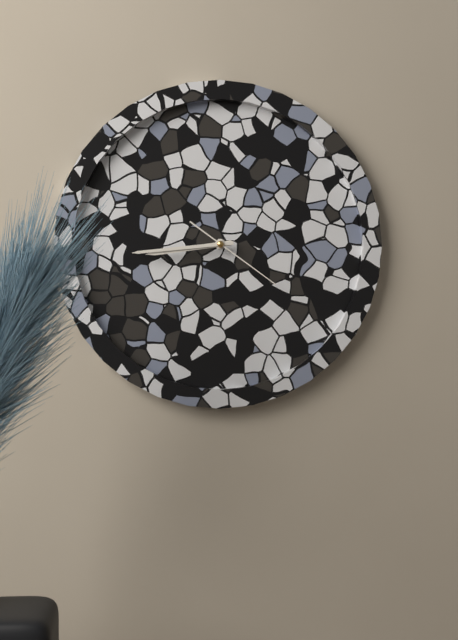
8h44m21s
